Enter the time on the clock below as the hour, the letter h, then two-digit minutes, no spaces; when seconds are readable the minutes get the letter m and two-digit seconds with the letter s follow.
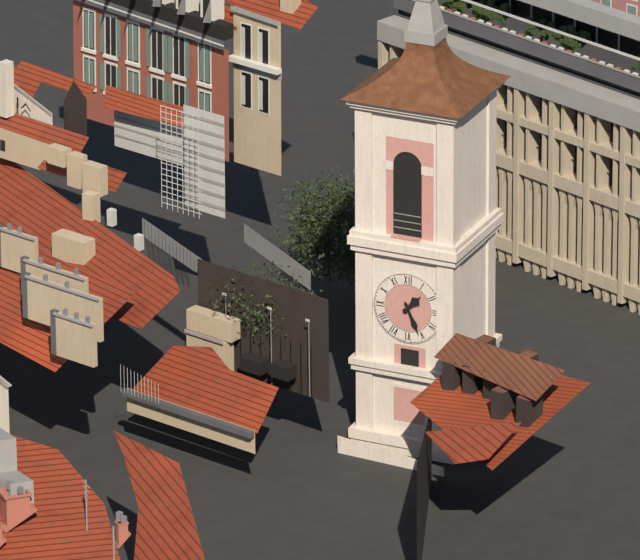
1h26
